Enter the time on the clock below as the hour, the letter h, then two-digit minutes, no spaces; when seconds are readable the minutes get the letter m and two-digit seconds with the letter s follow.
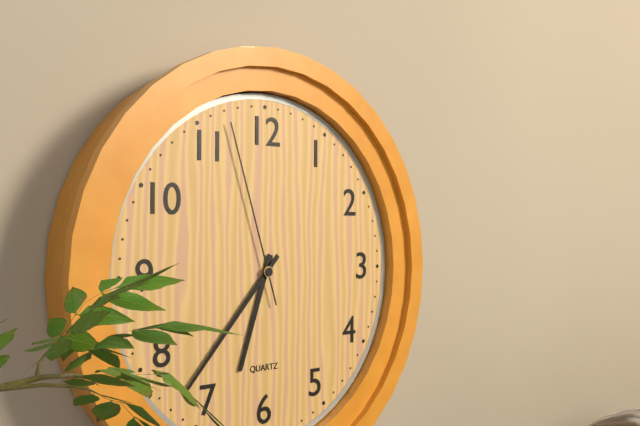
6h37m57s
